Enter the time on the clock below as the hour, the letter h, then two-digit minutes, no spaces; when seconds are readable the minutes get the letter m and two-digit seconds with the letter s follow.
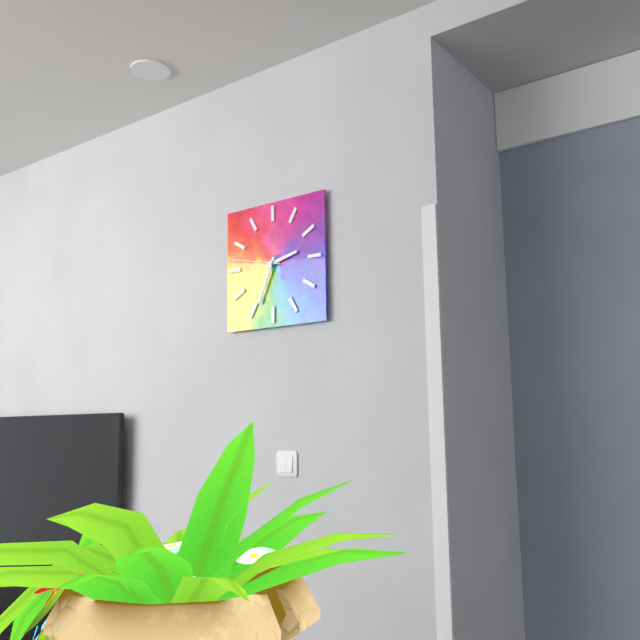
2h34m47s
